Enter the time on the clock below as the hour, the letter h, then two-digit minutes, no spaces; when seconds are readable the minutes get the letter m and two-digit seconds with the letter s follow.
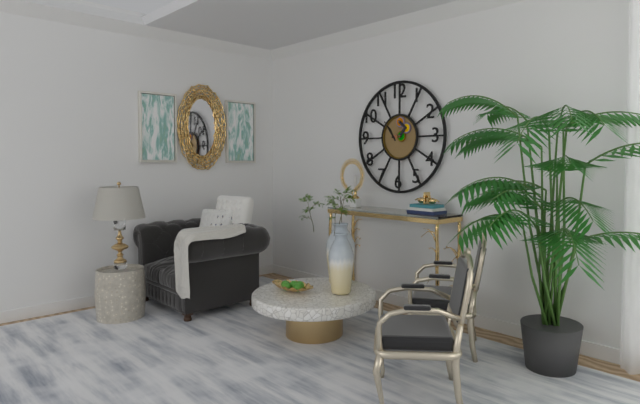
10h54
